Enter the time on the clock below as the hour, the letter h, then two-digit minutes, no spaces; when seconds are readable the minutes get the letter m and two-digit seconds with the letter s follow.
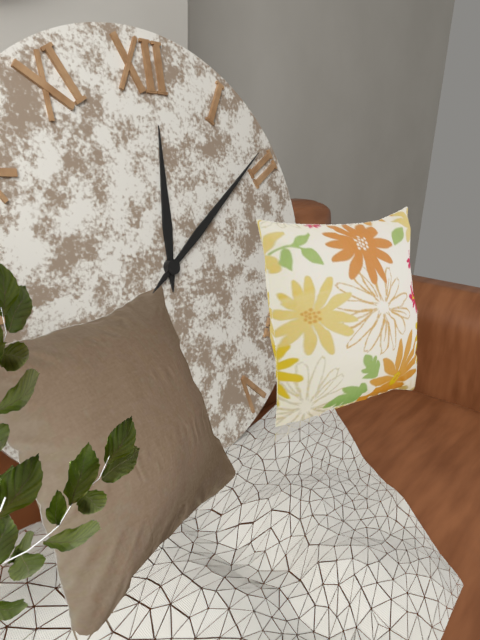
12h09
